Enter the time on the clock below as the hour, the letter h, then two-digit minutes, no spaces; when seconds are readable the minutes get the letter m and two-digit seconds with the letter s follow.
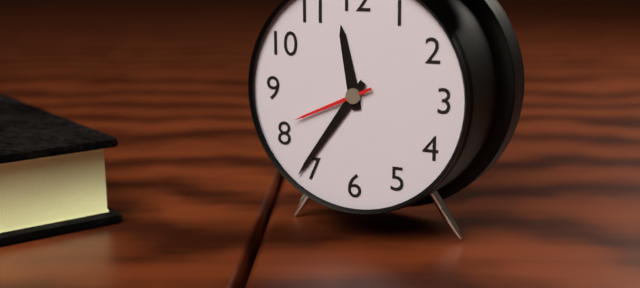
11h36m41s
